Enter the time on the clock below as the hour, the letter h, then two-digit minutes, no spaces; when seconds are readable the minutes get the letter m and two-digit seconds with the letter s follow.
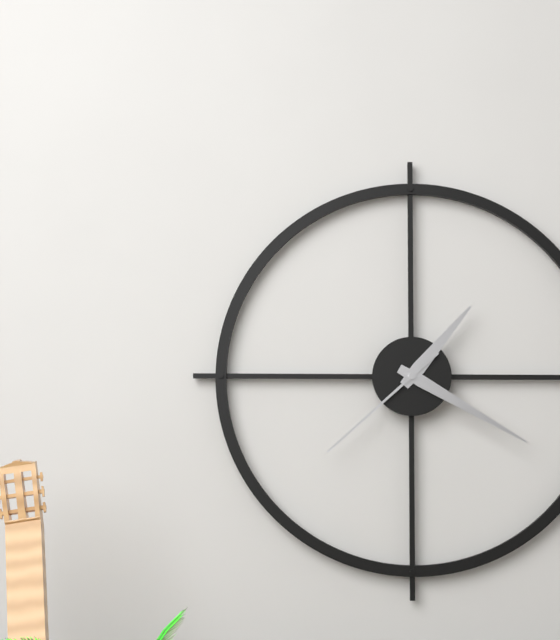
1h20m38s
